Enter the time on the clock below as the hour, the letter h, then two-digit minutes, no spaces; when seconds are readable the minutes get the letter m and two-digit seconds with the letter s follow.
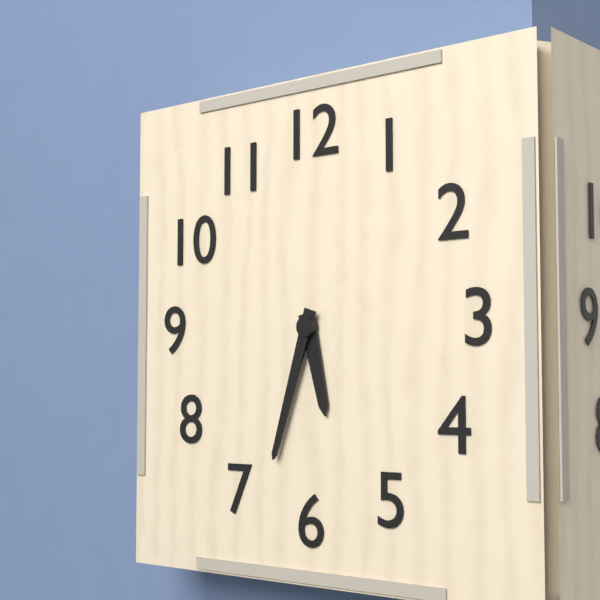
5h33
